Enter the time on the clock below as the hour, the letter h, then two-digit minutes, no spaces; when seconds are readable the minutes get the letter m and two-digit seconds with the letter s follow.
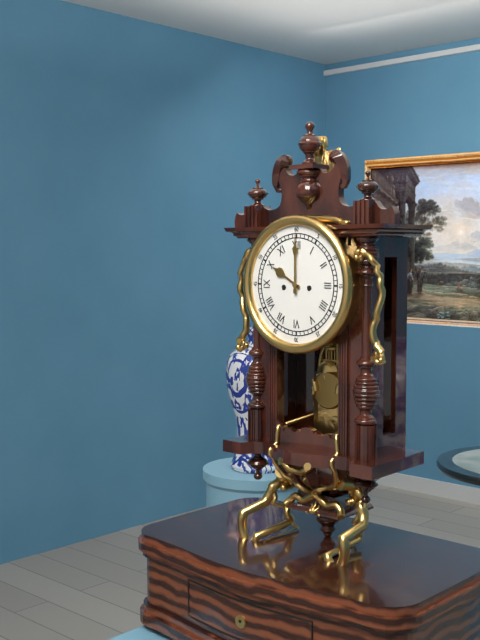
10h00
